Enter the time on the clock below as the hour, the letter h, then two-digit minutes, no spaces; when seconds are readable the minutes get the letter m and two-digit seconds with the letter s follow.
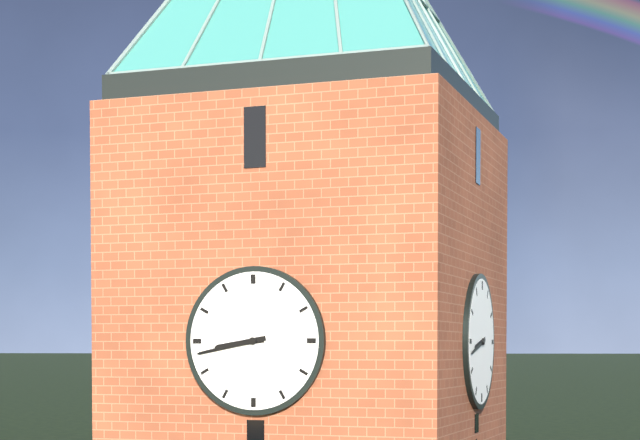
8h43
